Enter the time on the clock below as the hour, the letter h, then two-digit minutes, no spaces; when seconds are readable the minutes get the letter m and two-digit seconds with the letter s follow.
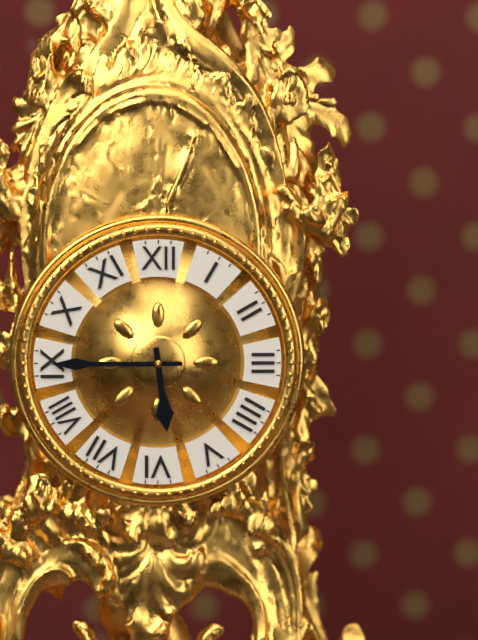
5h45
